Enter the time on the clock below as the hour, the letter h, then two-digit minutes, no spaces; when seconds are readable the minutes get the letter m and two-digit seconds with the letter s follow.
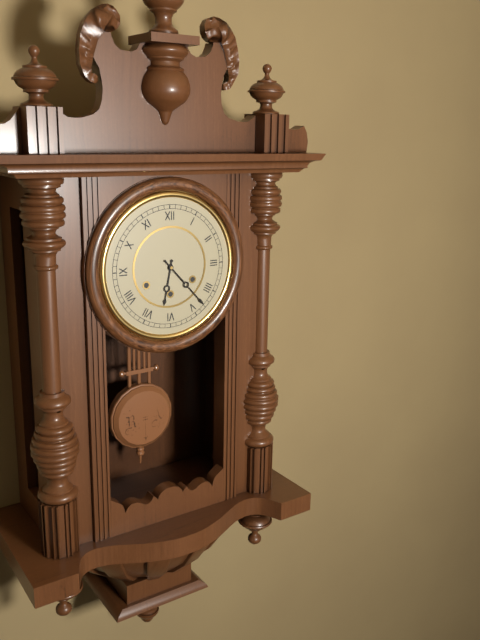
6h23
